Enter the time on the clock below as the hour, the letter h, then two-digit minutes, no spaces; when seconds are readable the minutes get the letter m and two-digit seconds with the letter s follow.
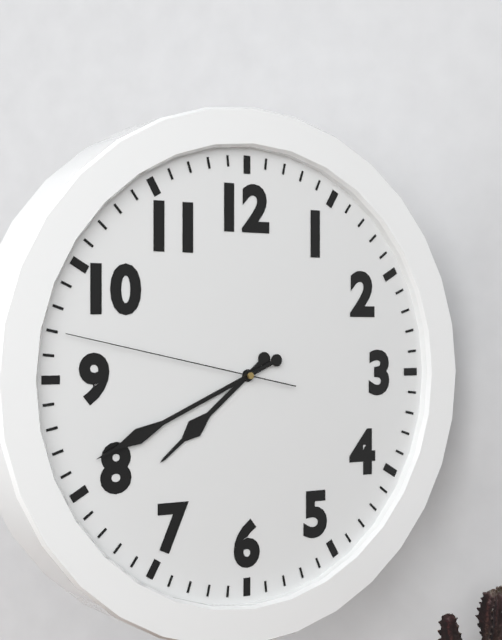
7h41m47s
